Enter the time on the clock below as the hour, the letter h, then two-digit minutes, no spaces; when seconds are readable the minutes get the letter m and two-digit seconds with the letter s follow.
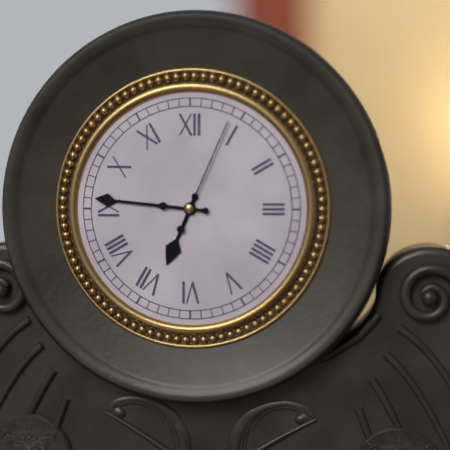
6h46m04s
